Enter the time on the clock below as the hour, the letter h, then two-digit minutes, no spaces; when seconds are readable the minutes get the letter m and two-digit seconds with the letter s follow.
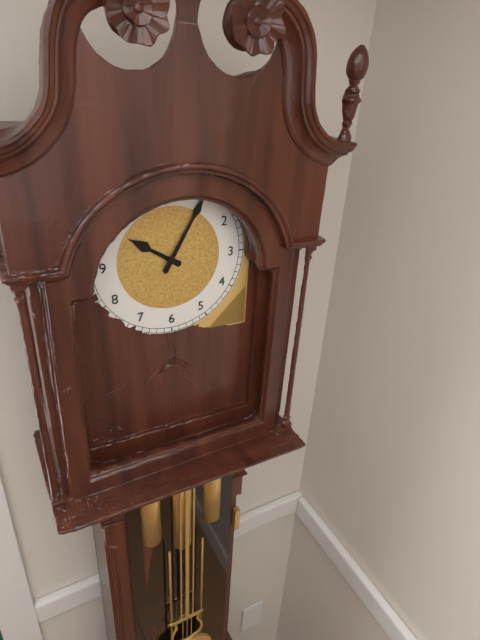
10h05
